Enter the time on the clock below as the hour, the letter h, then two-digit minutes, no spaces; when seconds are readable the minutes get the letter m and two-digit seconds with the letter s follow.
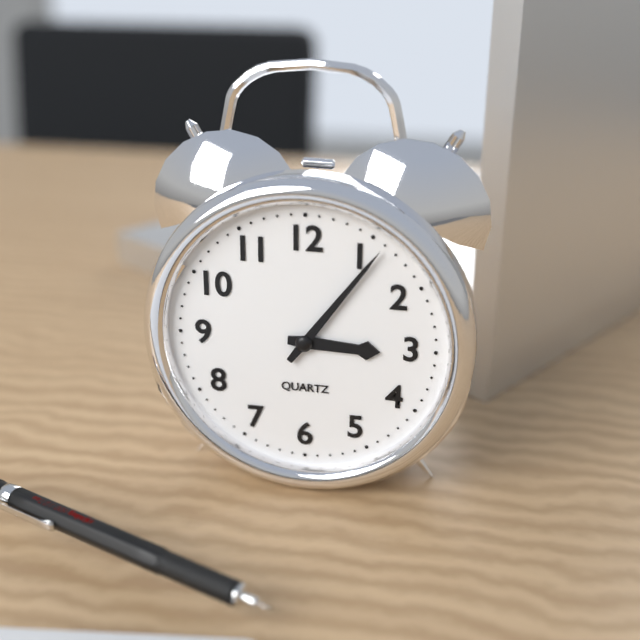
3h06
